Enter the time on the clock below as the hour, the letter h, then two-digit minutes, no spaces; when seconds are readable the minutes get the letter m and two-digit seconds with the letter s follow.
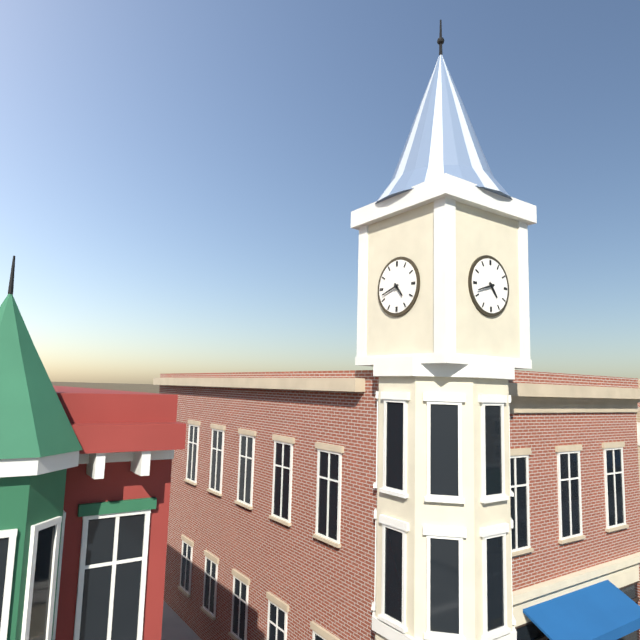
4h42
